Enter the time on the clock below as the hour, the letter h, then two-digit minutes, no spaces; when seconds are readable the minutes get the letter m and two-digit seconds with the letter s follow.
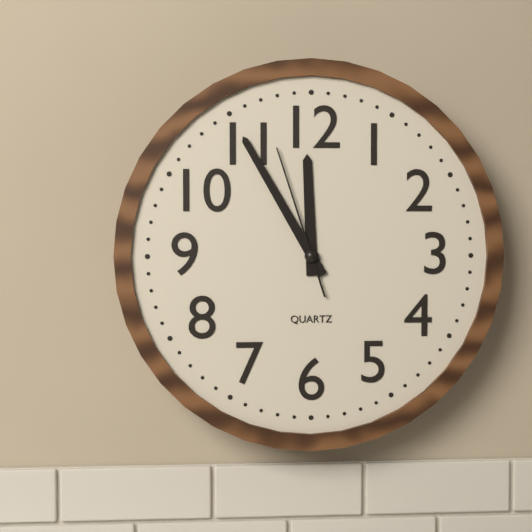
11h55m57s
